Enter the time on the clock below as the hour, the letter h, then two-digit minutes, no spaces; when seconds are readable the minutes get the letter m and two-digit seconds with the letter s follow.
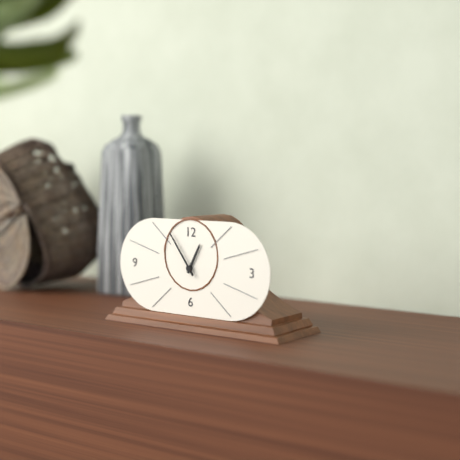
12h54
